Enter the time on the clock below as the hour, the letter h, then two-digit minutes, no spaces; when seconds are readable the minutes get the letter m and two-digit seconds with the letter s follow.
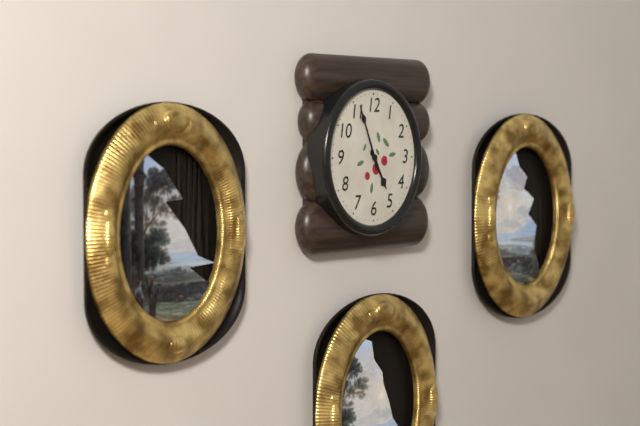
4h56
